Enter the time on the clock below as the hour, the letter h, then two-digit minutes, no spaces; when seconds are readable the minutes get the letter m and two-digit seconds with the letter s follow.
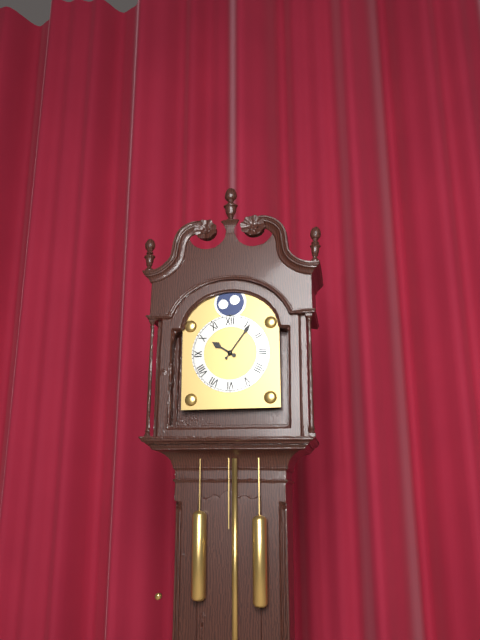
10h06
